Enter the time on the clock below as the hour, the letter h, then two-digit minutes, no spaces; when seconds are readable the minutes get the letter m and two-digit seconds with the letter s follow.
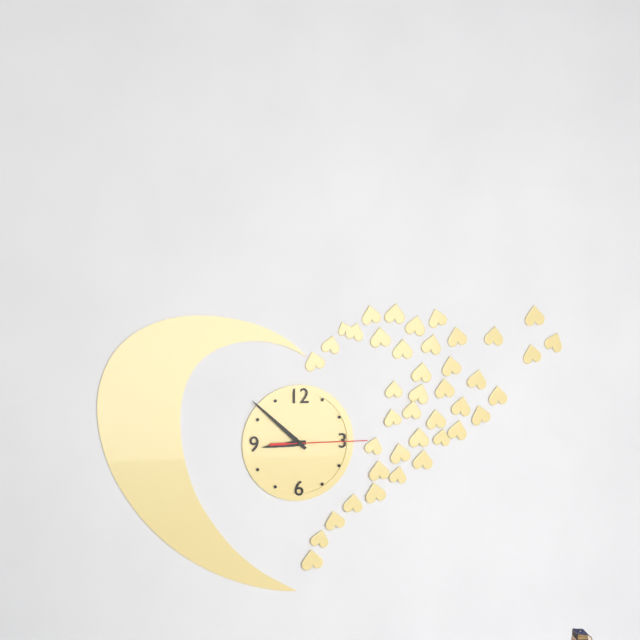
8h52m15s
